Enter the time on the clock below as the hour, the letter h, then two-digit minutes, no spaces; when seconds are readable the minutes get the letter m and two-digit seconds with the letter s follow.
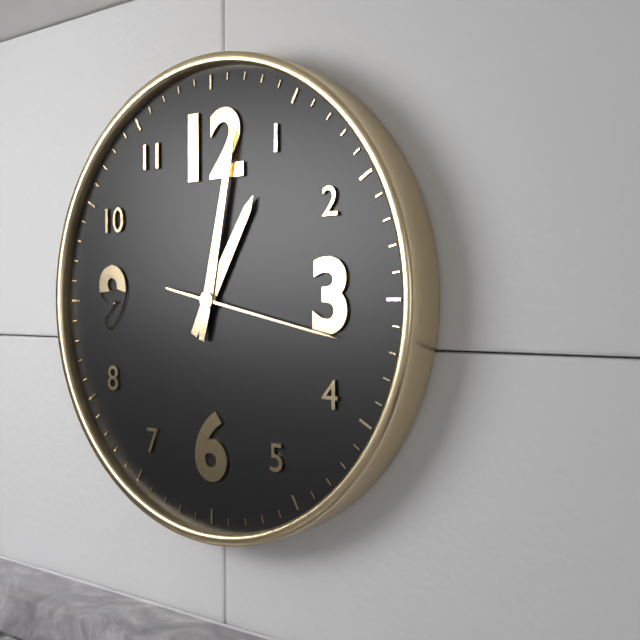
1h02m17s
